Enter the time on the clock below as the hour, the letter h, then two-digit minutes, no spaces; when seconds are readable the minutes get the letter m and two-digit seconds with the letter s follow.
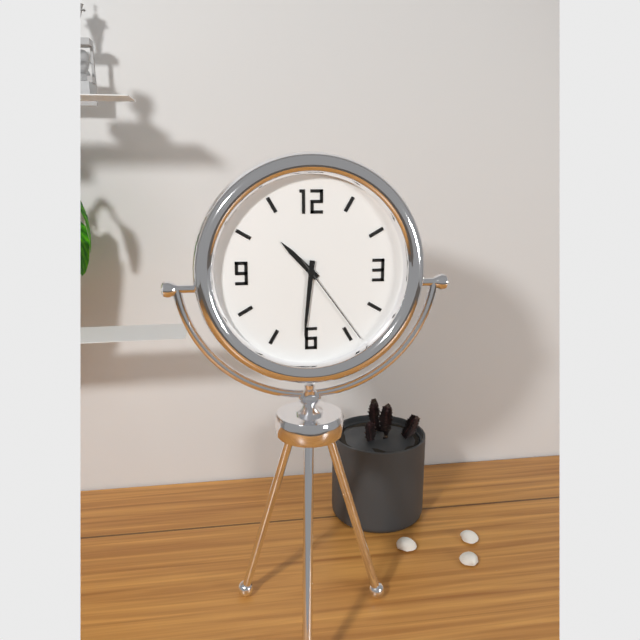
10h31m24s
